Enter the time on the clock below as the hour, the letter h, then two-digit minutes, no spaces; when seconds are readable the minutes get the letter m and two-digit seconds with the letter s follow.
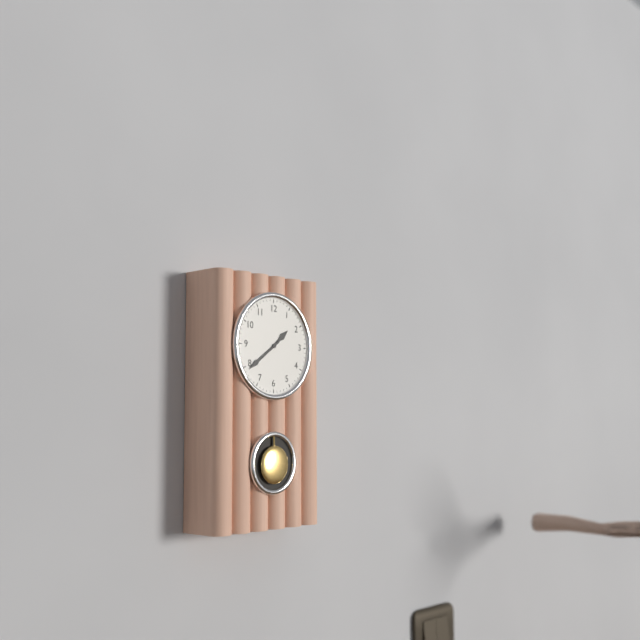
1h39
